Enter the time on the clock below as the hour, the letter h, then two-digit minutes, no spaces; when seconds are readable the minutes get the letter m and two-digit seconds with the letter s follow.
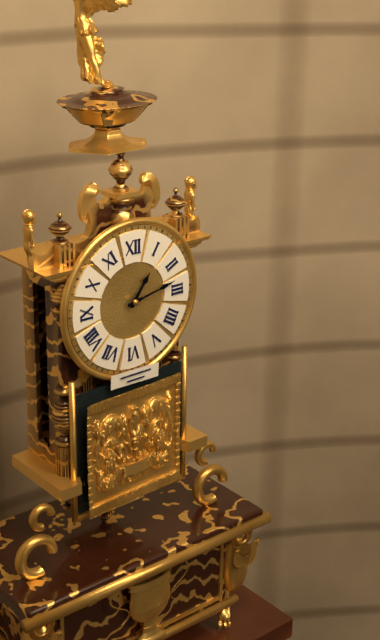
1h13
